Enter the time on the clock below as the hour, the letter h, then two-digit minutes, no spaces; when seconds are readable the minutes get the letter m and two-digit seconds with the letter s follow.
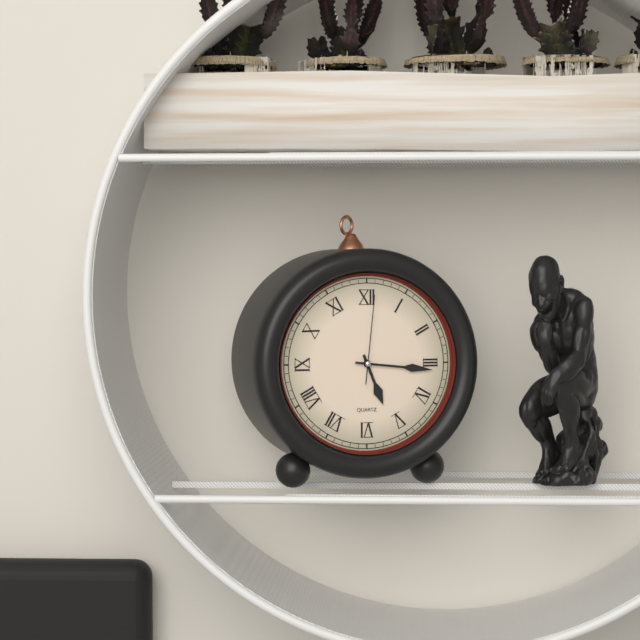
5h16m01s
